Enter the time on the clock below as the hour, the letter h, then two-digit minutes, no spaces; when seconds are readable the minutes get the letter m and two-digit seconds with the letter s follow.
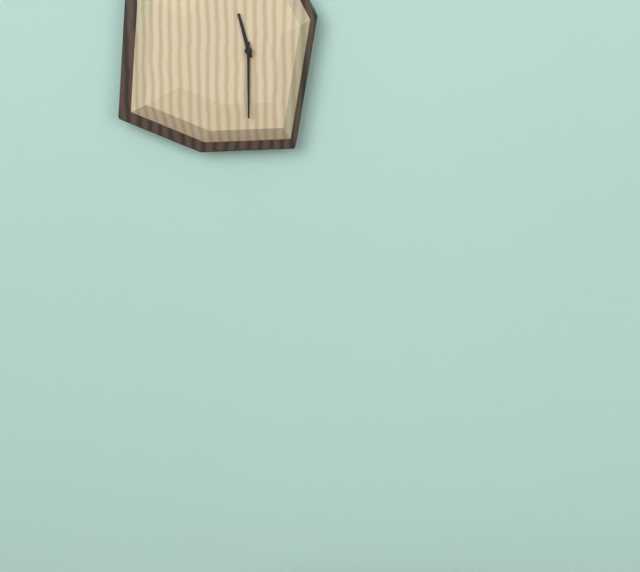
11h30
